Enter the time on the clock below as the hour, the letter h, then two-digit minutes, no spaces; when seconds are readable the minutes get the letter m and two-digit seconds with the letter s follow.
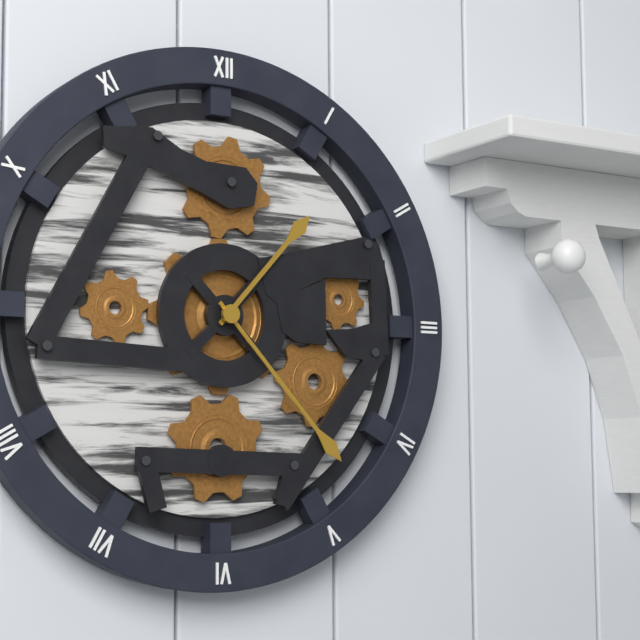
1h23
